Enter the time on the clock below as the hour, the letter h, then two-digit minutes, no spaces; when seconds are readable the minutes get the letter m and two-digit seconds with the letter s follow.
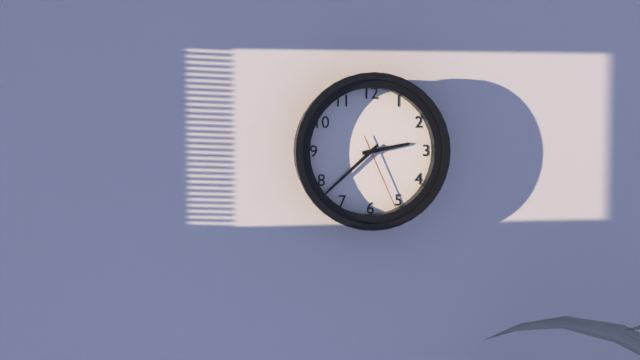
2h38m26s
